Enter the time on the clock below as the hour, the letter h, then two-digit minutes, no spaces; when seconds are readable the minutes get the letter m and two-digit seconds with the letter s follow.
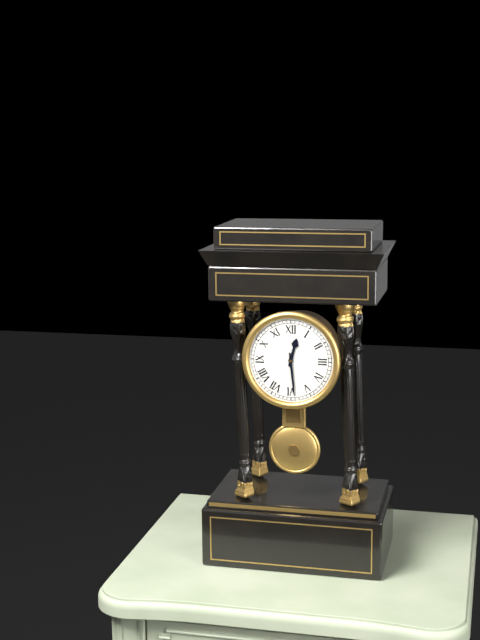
12h29
